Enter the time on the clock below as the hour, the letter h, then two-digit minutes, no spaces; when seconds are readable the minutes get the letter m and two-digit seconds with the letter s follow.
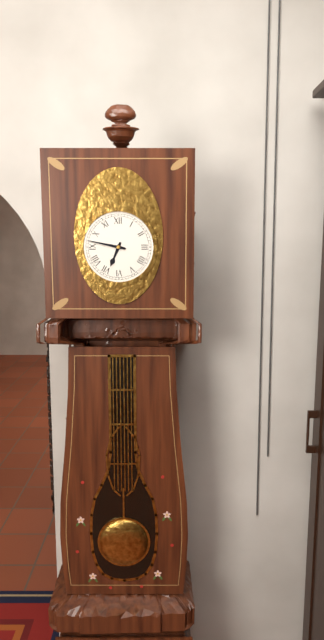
6h47
